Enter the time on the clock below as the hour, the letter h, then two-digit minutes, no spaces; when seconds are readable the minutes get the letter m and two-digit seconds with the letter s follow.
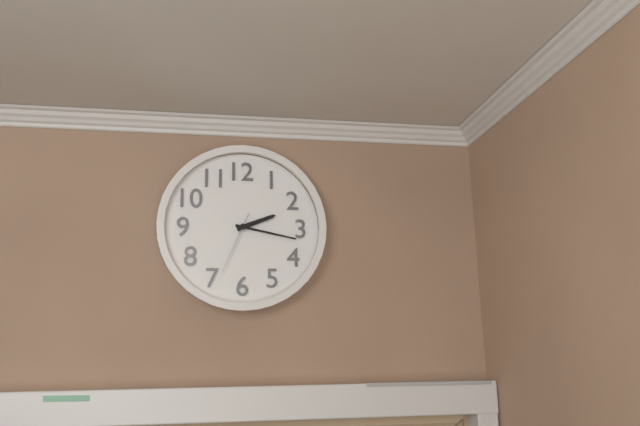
2h17m34s
